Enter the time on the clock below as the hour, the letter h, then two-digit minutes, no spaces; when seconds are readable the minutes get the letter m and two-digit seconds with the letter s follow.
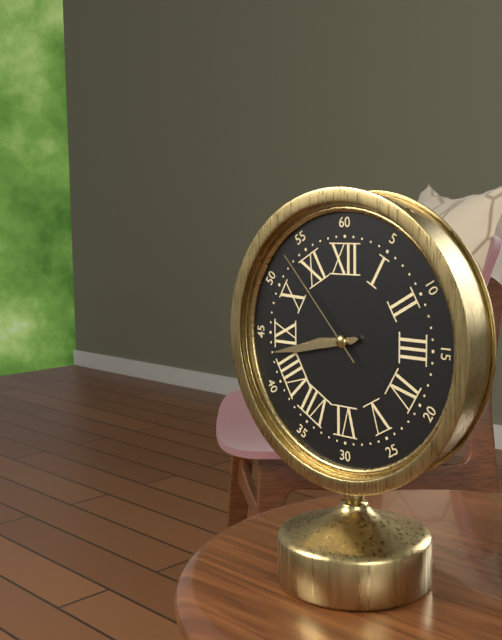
8h43m53s
